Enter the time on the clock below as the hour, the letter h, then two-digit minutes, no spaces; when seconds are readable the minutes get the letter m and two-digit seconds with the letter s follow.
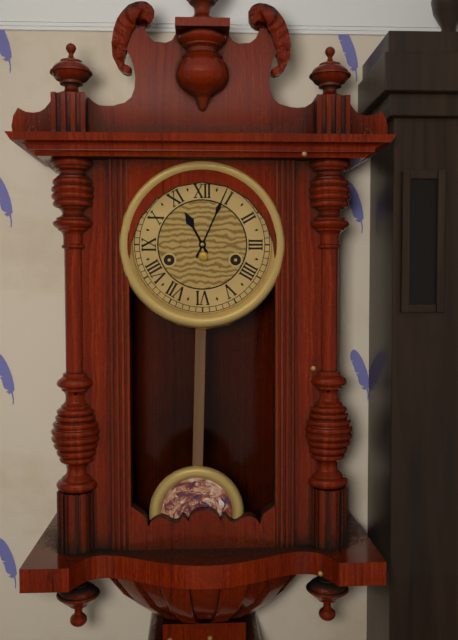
11h04
